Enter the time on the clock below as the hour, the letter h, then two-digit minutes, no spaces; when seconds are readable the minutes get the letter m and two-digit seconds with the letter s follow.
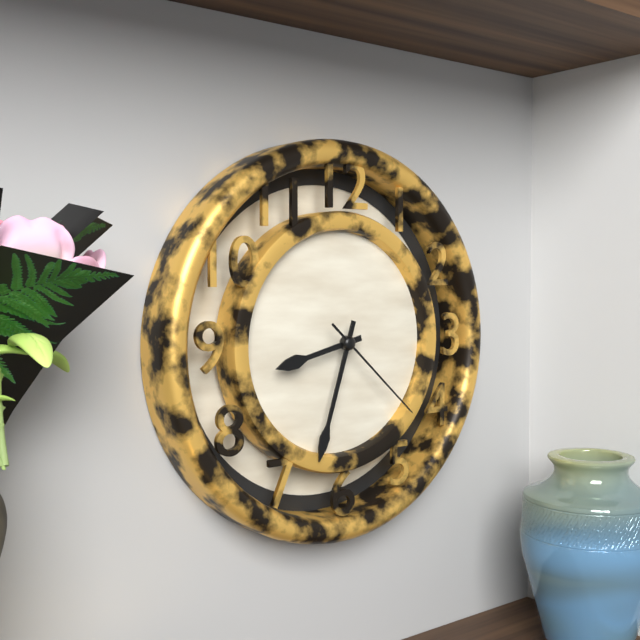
8h33m22s
